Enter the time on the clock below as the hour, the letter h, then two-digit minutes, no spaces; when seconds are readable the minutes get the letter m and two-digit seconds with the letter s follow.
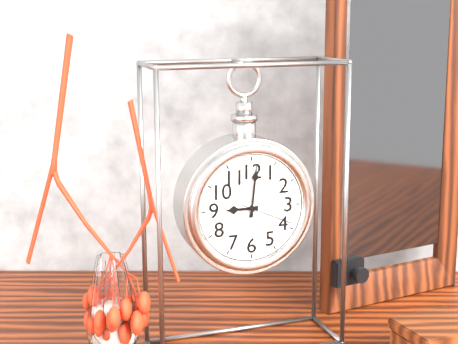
9h01m19s
